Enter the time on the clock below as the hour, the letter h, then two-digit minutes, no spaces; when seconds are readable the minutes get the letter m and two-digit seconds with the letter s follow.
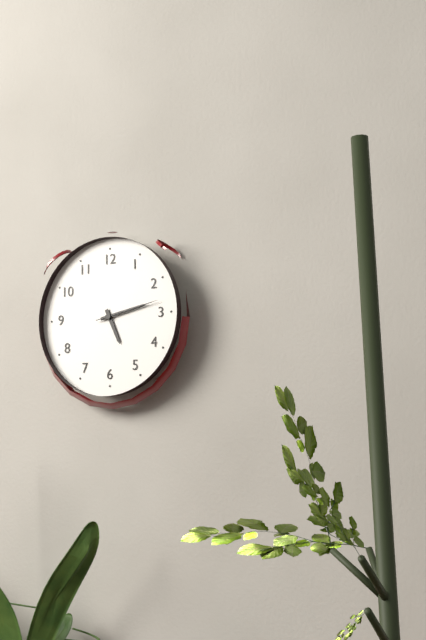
5h13m13s
